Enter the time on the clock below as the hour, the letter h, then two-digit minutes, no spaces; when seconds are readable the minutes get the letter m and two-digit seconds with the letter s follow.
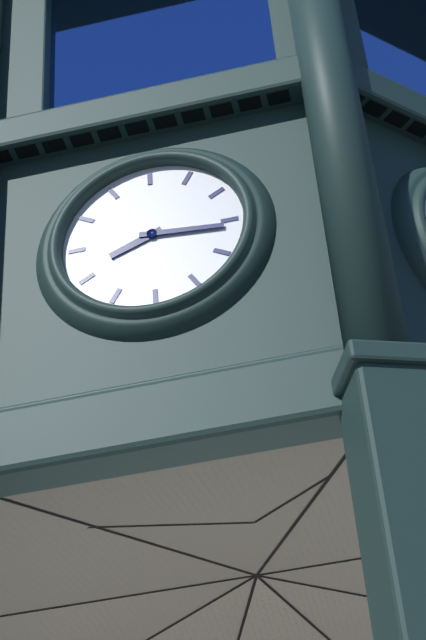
8h16
